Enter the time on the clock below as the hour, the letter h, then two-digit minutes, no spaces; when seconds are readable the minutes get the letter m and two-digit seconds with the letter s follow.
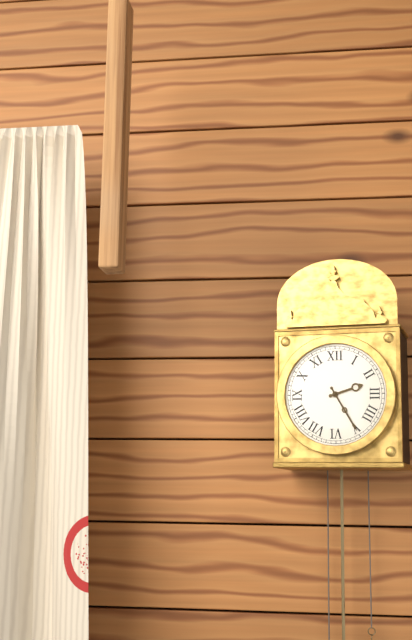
2h25
